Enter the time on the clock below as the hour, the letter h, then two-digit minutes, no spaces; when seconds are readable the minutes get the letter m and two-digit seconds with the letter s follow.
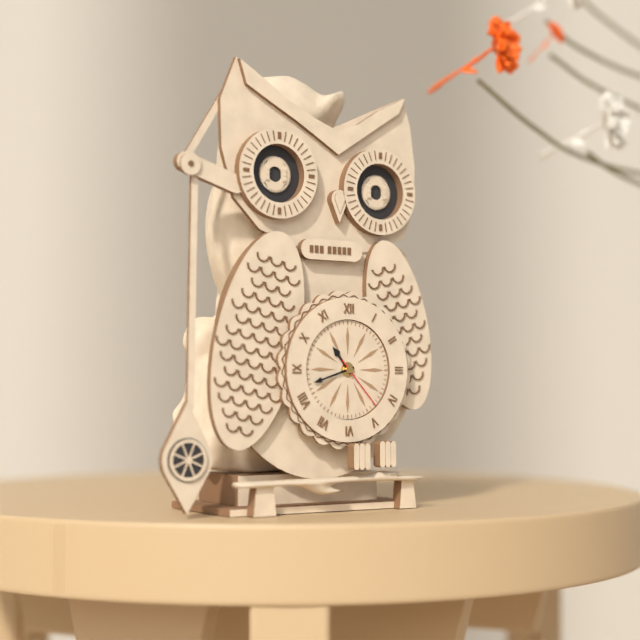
10h42m23s
